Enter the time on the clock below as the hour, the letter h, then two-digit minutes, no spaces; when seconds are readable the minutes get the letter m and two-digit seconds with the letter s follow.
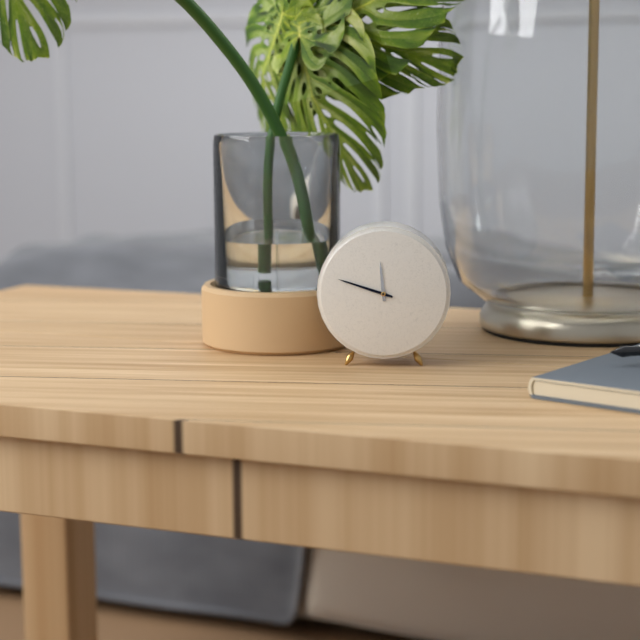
11h48
